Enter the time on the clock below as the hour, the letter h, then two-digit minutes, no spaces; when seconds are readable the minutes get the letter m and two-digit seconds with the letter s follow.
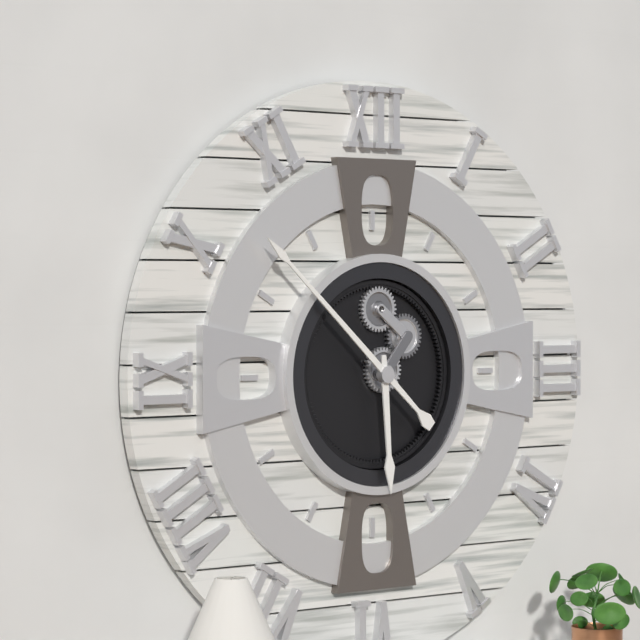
5h52
